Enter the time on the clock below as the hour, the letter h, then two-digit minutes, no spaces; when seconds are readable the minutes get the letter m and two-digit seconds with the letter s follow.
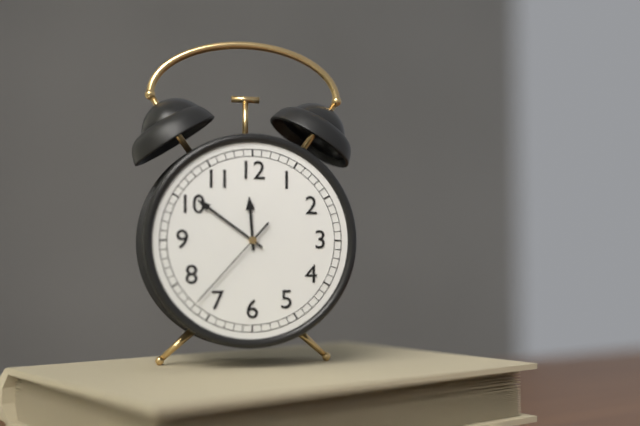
11h51m37s
